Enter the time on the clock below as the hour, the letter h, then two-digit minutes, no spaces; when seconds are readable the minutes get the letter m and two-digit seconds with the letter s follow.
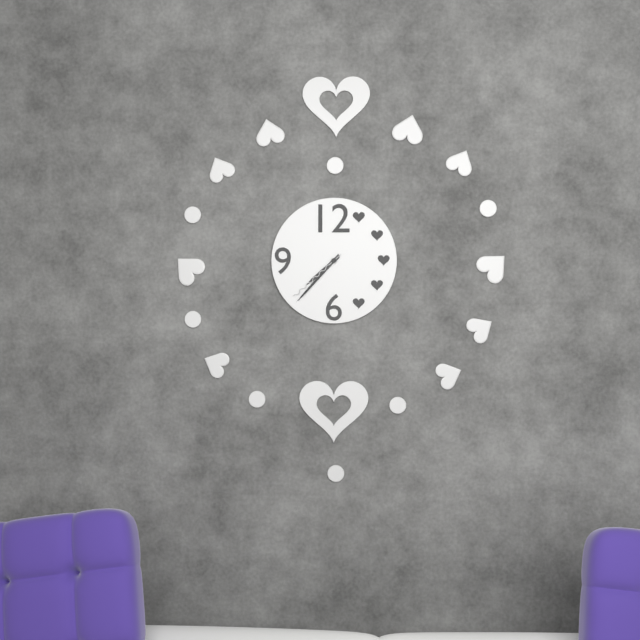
7h37m38s
